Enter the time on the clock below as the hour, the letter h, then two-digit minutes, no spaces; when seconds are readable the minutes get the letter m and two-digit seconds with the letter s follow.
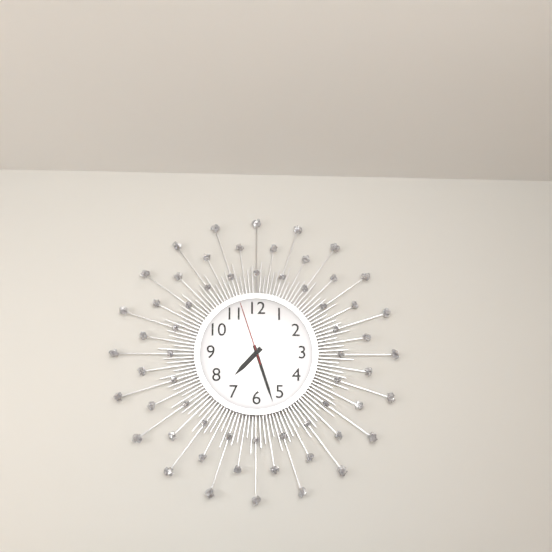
7h27m57s
